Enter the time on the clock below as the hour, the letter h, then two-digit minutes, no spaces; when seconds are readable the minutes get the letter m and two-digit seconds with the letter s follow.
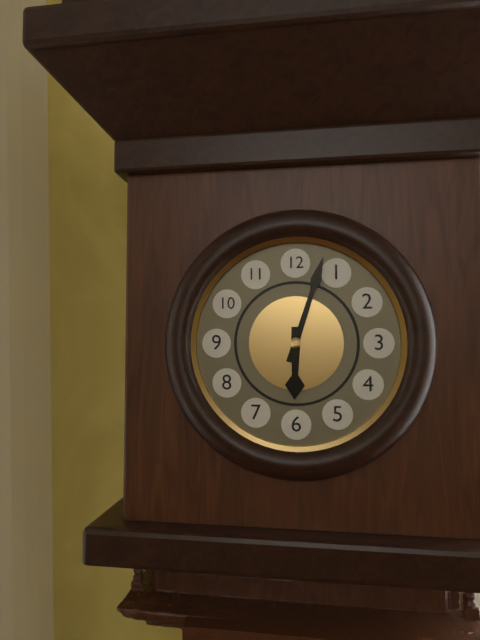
6h03
